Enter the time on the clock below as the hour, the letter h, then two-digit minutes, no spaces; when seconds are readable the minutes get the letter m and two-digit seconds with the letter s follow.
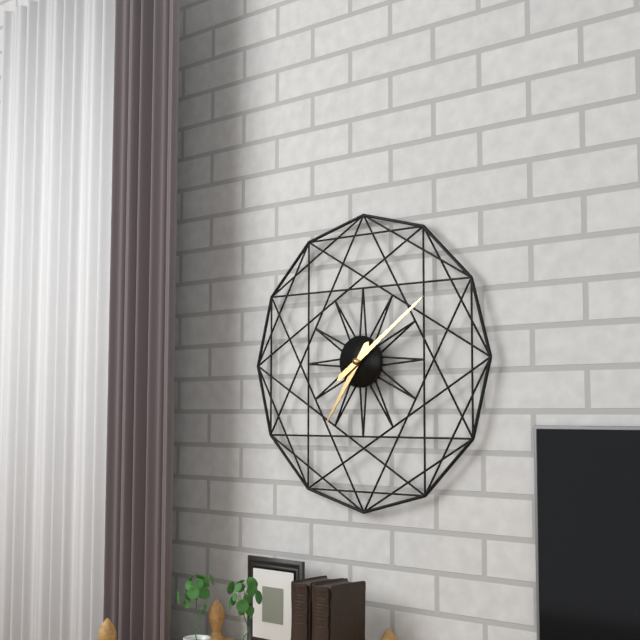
7h09
